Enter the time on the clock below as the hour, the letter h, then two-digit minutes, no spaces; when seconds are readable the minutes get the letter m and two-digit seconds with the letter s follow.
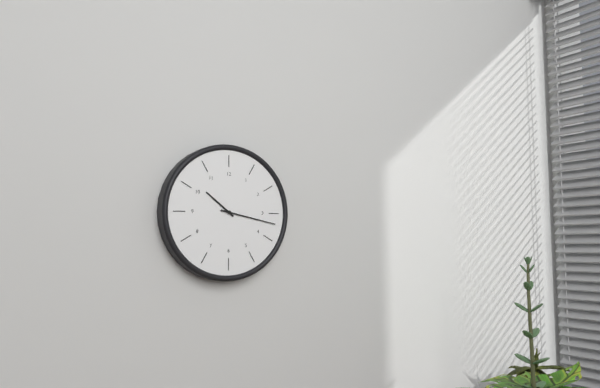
10h17
